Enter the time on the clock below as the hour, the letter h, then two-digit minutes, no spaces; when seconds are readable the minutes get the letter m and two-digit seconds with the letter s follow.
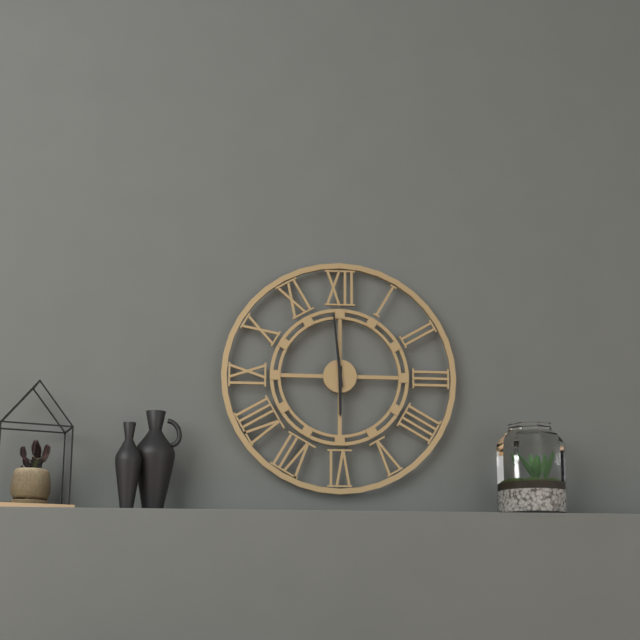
5h59
